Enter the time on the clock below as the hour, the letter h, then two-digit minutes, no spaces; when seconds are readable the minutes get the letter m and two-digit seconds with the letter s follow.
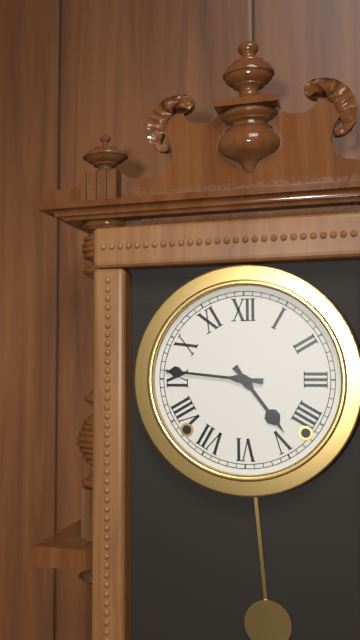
4h46
